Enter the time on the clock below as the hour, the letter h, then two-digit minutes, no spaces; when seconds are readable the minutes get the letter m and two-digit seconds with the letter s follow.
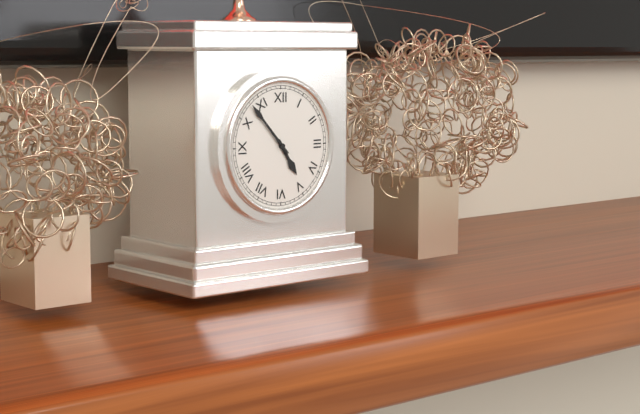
4h53
